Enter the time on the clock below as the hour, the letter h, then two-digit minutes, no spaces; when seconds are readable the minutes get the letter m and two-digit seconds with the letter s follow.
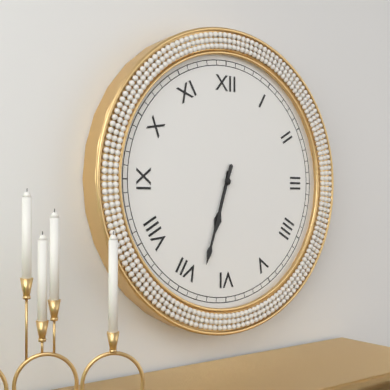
6h33
